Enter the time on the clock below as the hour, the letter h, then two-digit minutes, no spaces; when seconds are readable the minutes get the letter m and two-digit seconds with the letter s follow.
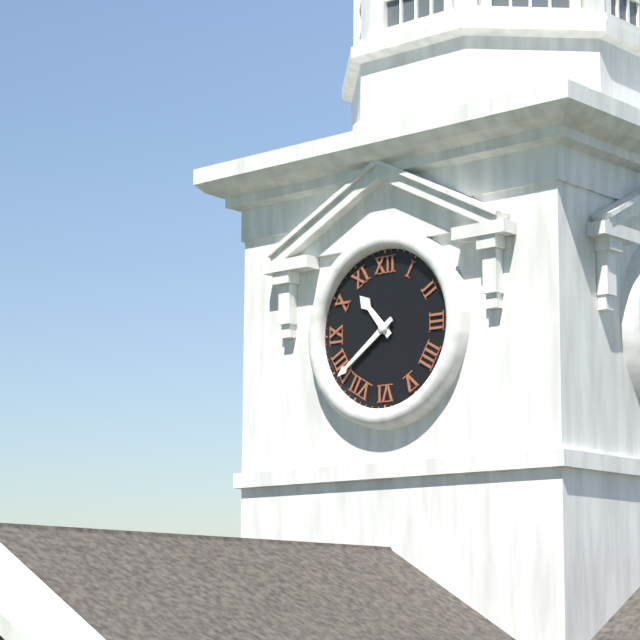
10h39
